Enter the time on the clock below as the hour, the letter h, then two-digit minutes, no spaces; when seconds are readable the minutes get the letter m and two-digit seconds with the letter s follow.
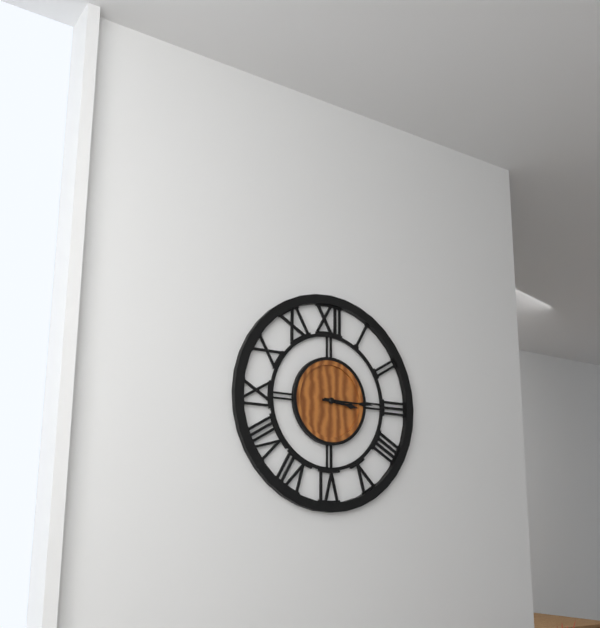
3h15
